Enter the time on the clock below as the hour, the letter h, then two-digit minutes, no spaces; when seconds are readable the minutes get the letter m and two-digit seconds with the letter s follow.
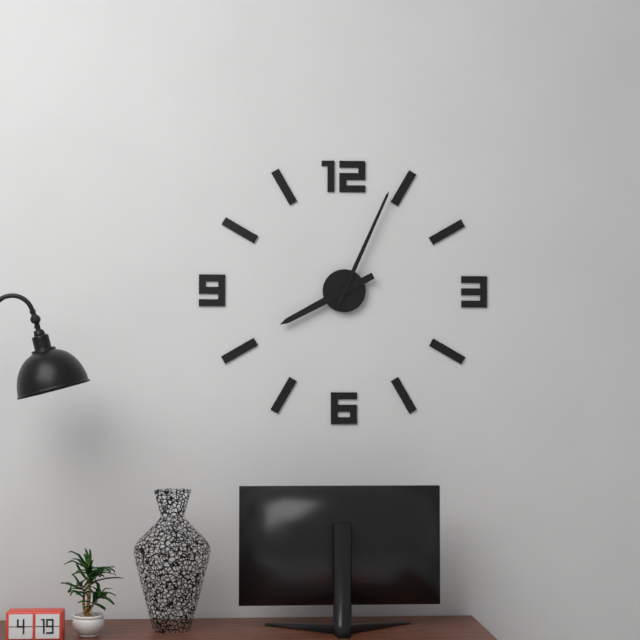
8h04
